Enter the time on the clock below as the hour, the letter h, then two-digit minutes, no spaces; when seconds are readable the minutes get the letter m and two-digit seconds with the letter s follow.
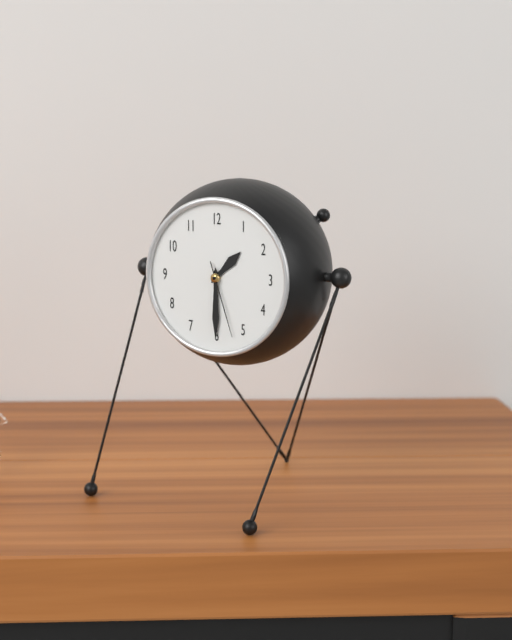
1h30m27s
